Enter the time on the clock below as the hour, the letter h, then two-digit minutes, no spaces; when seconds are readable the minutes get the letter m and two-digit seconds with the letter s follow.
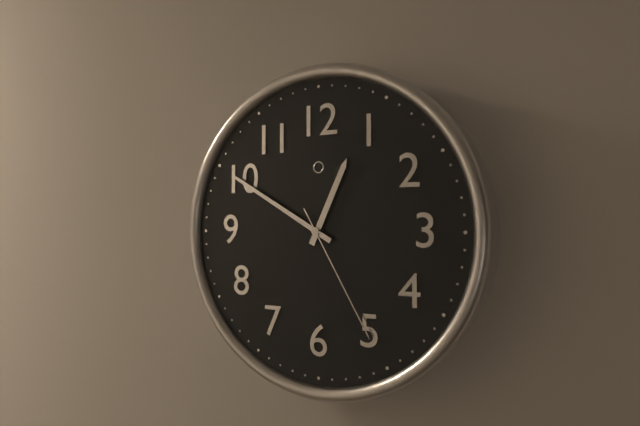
12h50m25s
